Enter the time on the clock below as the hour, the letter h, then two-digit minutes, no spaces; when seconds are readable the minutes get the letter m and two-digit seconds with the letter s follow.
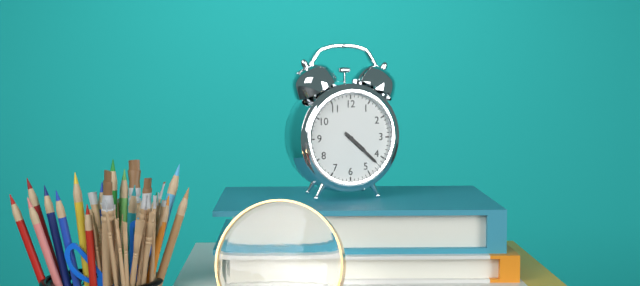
4h22
